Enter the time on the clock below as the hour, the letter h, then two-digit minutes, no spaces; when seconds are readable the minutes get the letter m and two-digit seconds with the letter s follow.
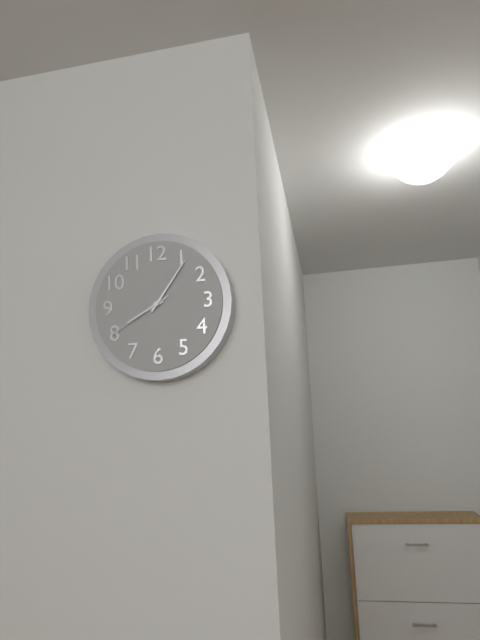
8h06m40s
